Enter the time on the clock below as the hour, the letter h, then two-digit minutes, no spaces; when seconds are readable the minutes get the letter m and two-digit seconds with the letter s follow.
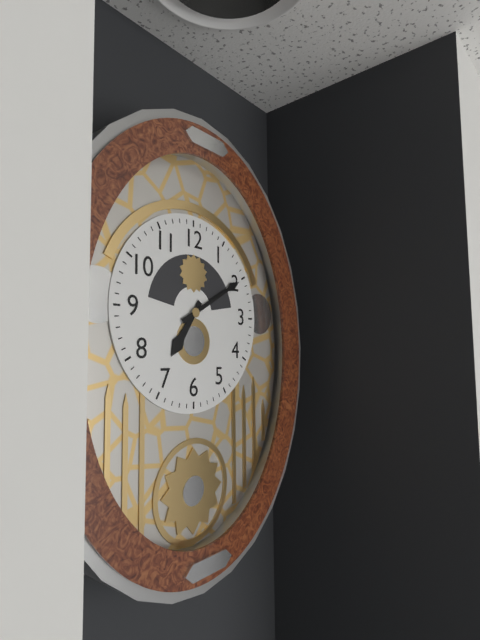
7h10
